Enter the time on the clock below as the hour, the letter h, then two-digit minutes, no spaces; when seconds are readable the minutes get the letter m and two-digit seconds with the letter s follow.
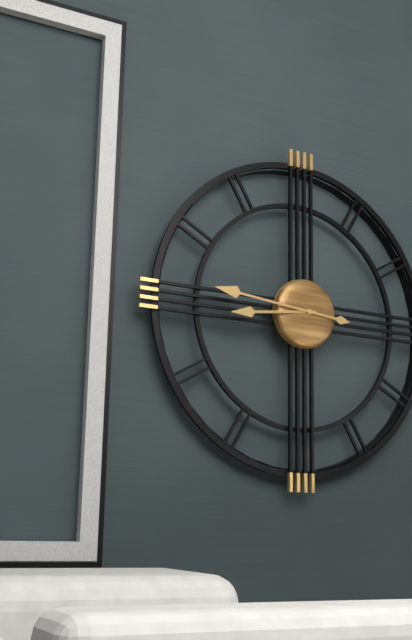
8h46
